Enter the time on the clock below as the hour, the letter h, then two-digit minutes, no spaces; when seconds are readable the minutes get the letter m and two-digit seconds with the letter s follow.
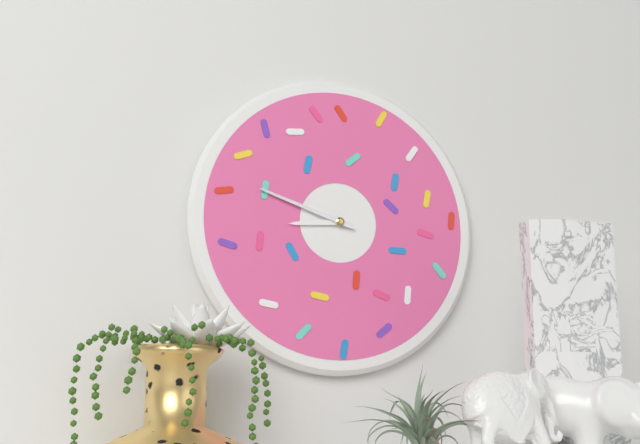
8h48
